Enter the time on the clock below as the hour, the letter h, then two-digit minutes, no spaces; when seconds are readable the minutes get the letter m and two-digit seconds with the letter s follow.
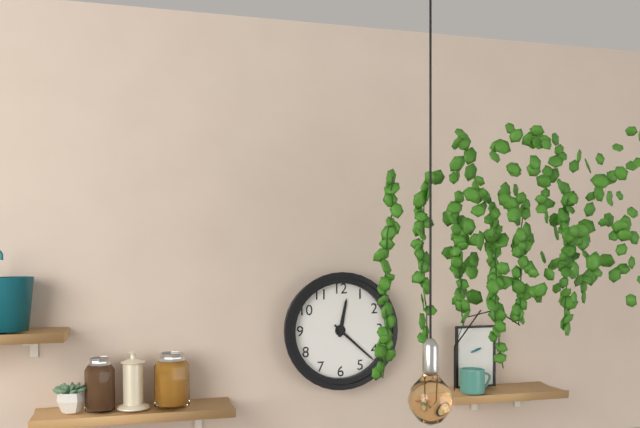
12h22
